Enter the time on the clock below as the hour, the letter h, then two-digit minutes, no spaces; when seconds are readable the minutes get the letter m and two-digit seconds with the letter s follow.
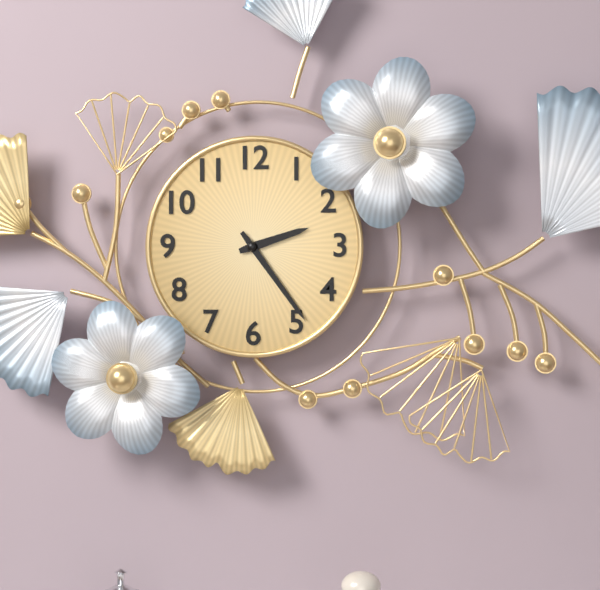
2h24
